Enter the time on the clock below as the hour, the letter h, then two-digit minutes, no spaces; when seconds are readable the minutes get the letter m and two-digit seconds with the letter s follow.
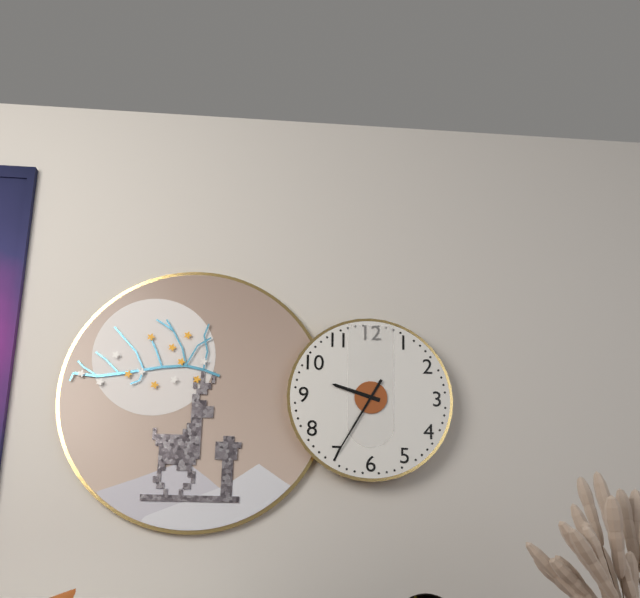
9h35
